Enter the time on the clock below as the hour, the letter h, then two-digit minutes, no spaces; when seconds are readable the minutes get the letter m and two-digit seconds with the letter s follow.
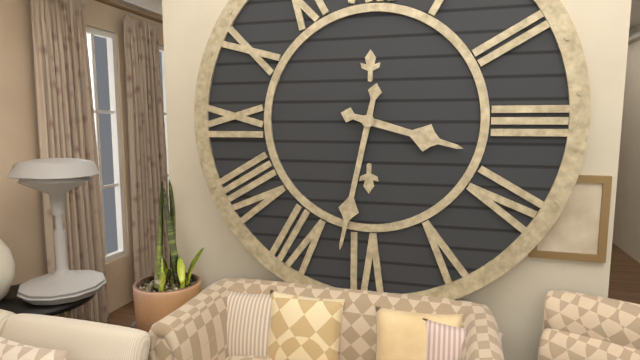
3h32
